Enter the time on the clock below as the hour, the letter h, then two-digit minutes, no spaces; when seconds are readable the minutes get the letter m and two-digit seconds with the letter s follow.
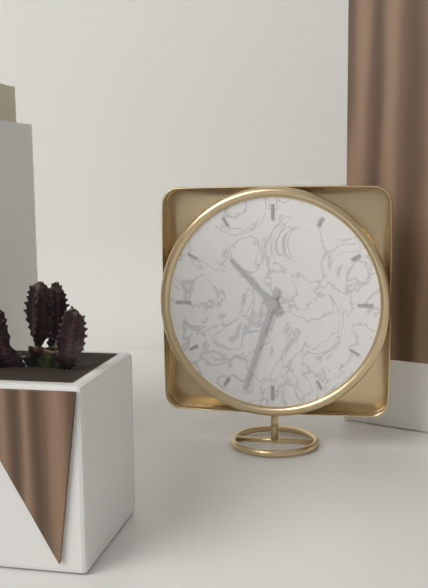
10h33
